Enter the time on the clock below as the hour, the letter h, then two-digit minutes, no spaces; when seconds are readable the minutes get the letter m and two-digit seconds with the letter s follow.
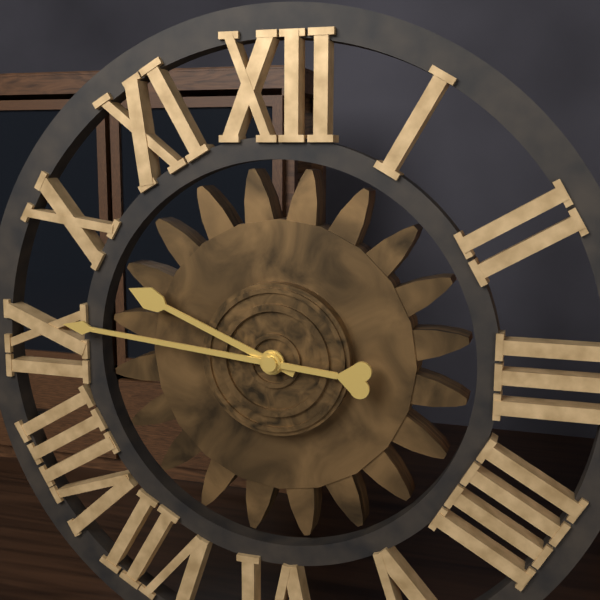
9h46
